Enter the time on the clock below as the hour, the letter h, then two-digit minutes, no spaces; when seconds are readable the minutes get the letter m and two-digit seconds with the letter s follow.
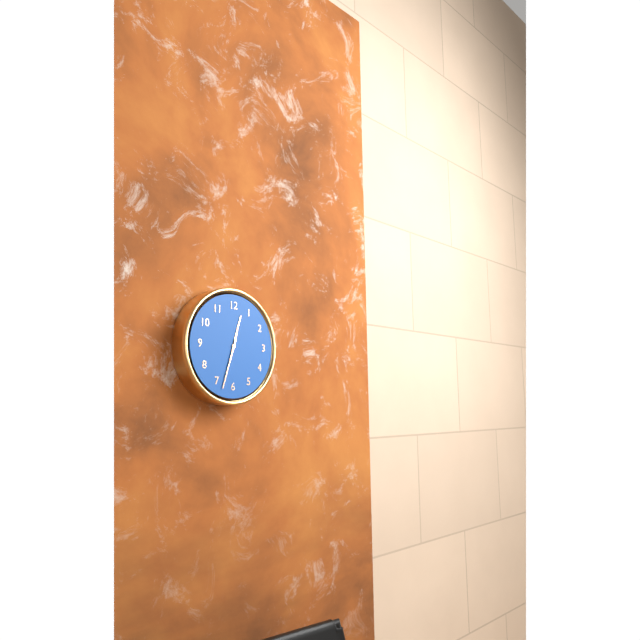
12h33
